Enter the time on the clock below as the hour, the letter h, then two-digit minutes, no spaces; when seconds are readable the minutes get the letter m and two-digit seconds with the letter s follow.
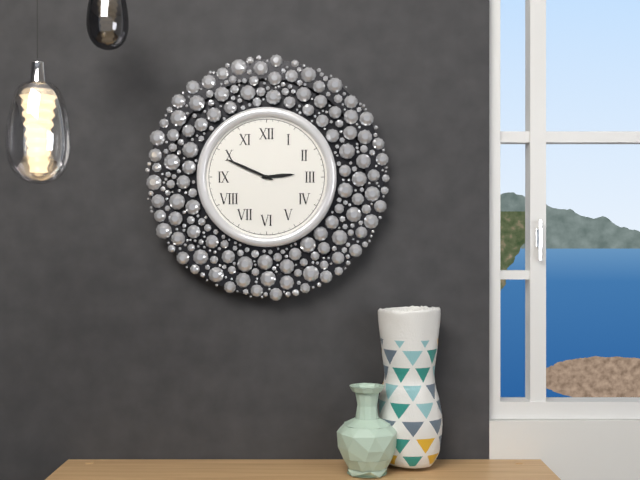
2h49
